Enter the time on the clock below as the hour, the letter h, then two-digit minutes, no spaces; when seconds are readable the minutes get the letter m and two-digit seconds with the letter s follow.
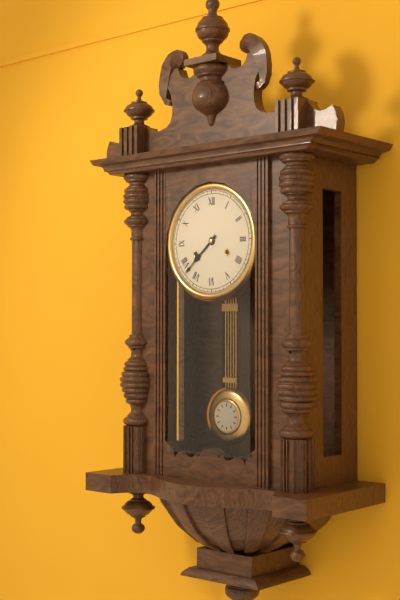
7h38
